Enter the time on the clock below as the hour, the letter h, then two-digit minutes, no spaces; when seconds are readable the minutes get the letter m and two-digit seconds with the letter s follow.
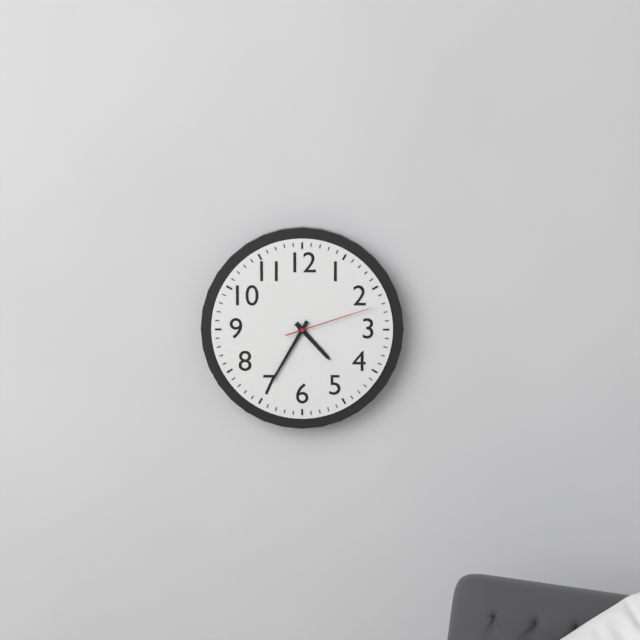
4h35m12s
